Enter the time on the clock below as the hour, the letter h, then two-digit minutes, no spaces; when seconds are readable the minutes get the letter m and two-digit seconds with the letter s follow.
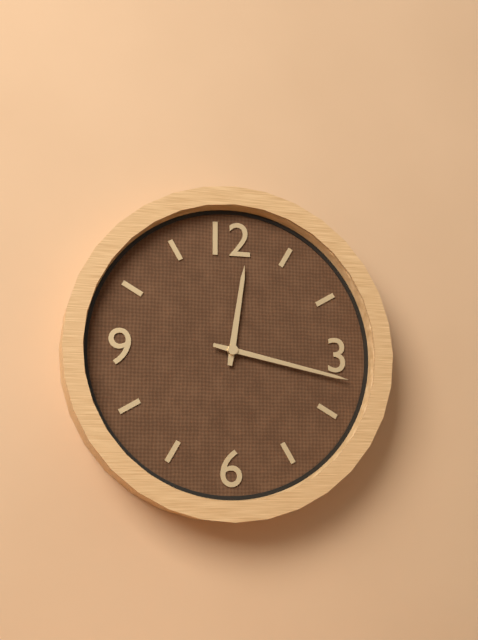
12h17
